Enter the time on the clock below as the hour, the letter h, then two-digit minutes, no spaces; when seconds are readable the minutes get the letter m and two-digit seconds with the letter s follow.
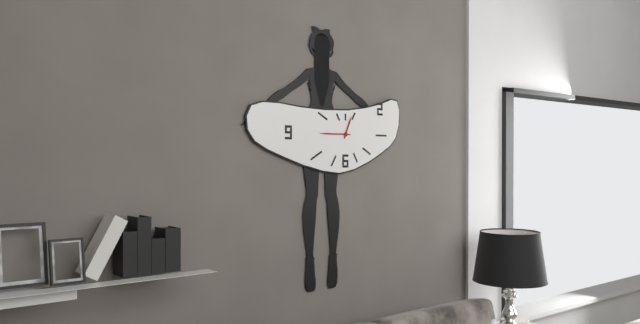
12h45
